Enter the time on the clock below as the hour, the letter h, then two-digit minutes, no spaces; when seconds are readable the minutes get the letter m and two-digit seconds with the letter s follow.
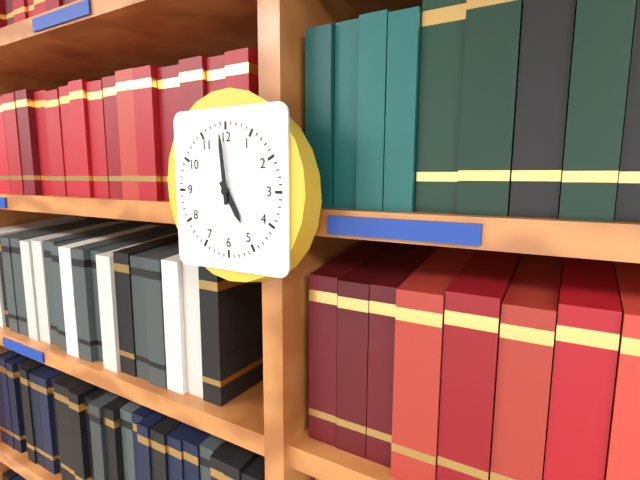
4h59
